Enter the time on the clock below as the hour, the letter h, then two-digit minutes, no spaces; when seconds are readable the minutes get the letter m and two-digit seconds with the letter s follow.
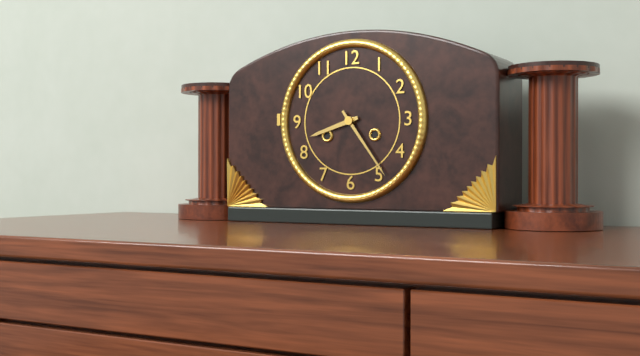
8h24
